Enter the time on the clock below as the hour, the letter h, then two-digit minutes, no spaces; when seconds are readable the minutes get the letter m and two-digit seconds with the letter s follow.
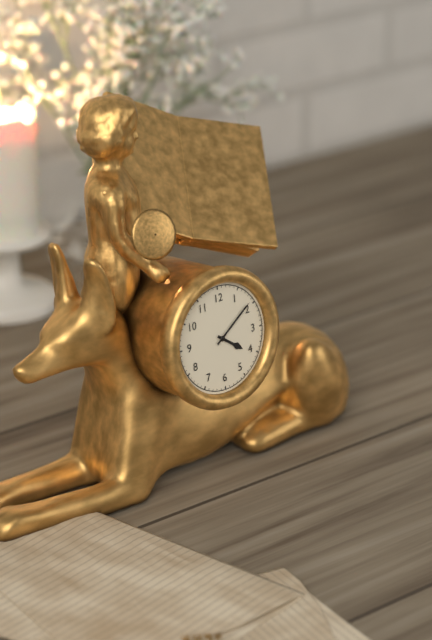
4h09
